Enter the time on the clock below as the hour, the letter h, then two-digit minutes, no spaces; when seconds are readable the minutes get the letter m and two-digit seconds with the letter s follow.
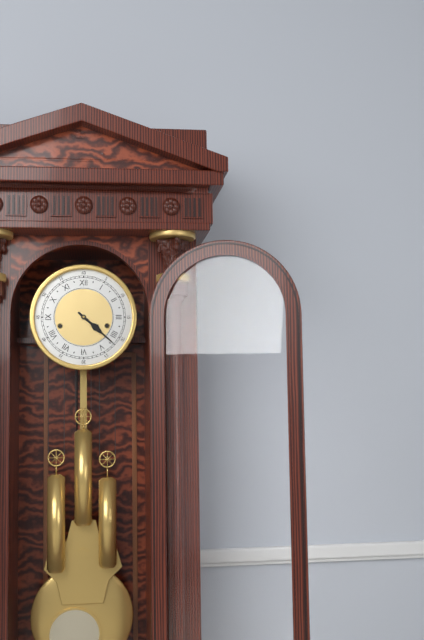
4h22
